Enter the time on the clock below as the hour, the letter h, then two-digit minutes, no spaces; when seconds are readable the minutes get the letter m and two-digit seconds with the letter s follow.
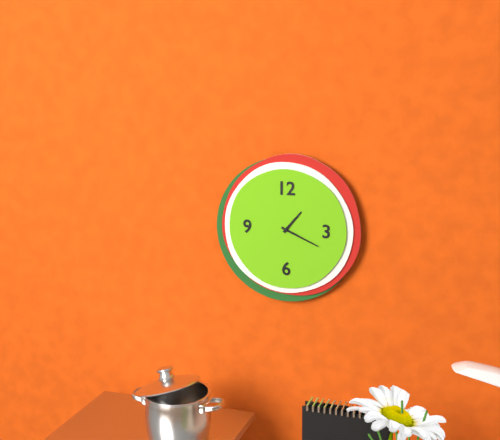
1h19
